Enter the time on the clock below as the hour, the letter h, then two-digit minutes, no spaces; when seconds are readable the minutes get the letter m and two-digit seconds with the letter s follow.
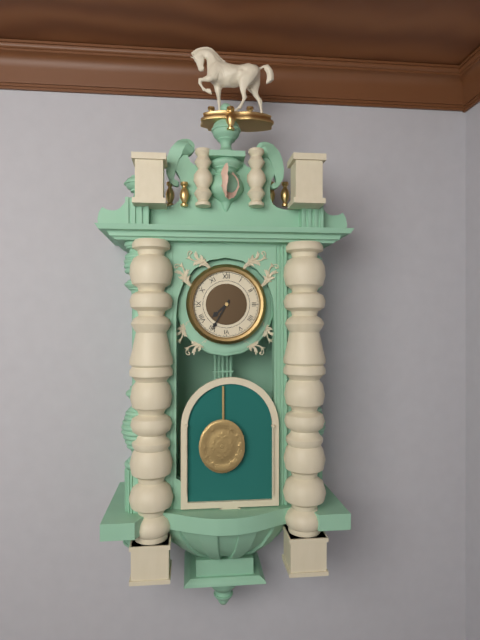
7h35
